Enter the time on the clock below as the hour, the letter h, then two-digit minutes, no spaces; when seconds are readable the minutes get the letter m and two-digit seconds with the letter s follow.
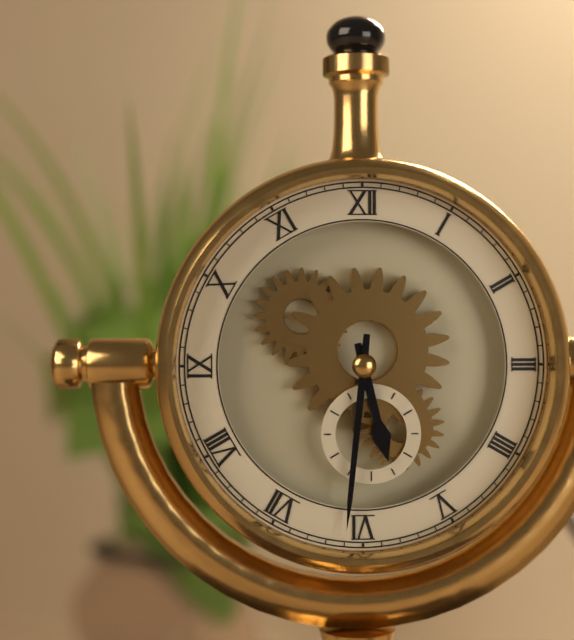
5h31
